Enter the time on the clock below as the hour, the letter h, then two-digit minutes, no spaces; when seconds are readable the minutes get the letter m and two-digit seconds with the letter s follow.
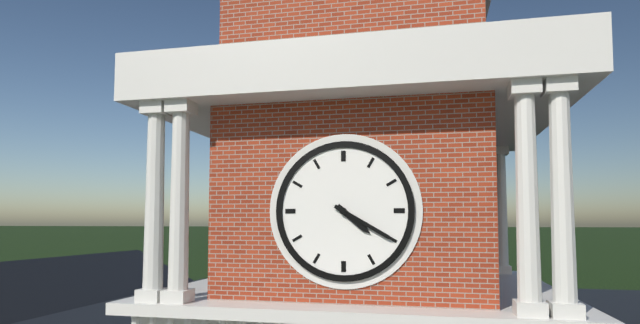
4h20
